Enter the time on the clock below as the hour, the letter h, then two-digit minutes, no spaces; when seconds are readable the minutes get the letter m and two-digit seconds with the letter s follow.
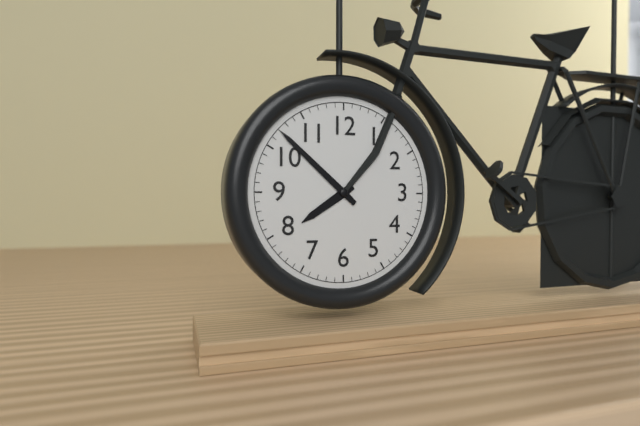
7h52
